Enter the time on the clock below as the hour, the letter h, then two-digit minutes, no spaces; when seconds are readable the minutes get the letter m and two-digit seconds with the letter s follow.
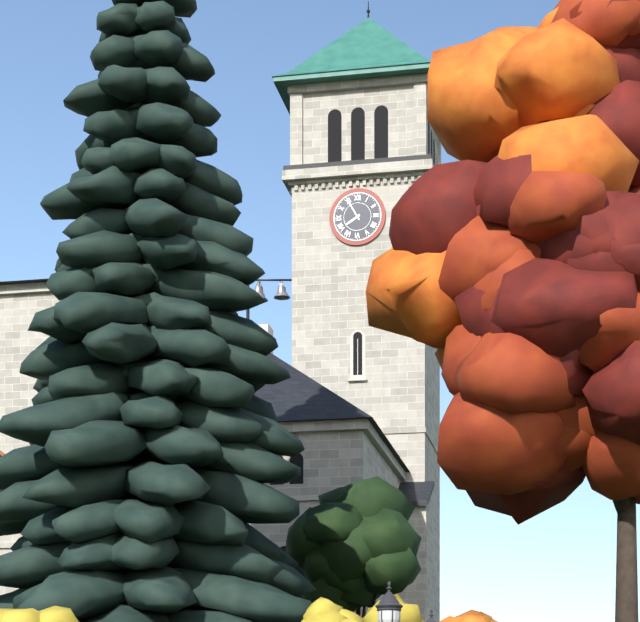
7h55
